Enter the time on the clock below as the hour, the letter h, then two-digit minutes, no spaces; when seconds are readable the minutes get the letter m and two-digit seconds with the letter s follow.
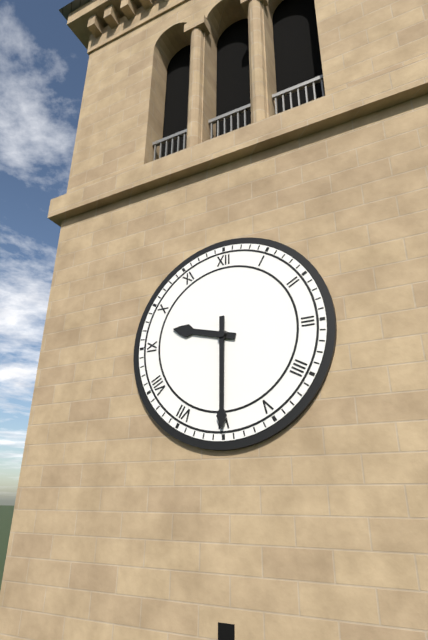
9h30
